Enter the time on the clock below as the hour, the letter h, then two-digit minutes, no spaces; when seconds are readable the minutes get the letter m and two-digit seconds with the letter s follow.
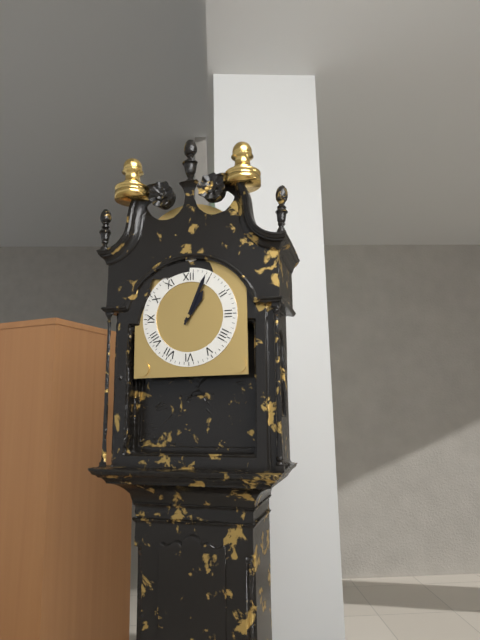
1h04
